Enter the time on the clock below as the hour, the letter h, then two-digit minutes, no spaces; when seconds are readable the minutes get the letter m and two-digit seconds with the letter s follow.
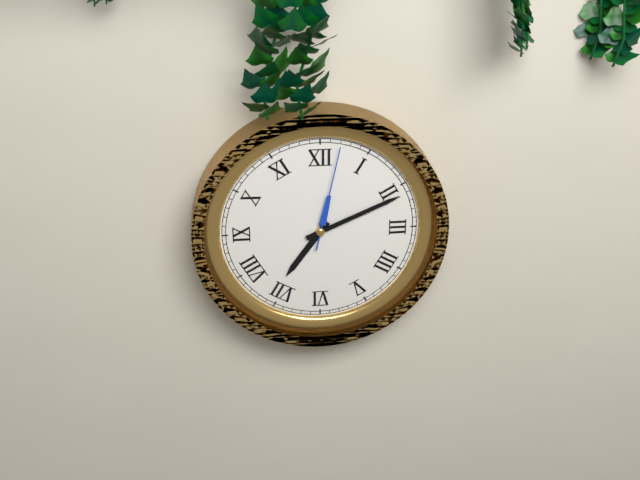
7h11m02s
